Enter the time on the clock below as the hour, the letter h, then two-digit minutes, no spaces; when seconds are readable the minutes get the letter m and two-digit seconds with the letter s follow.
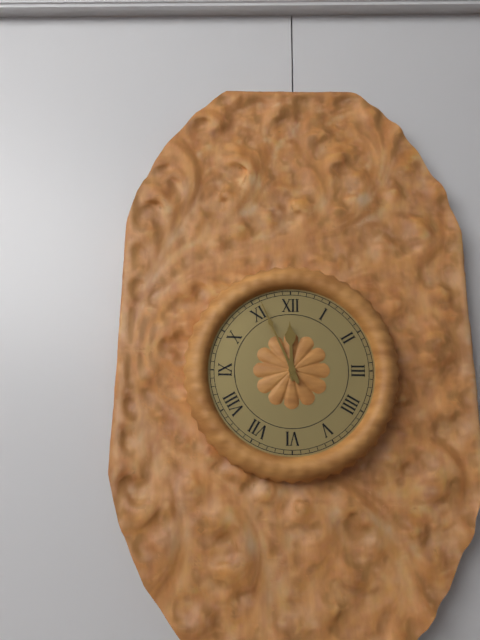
11h56
